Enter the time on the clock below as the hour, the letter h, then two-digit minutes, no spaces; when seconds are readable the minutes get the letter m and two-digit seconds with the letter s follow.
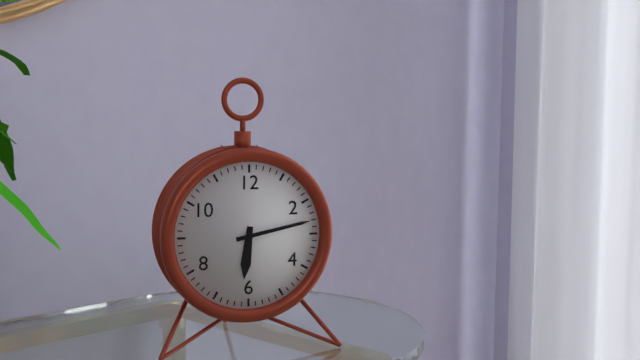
6h13
